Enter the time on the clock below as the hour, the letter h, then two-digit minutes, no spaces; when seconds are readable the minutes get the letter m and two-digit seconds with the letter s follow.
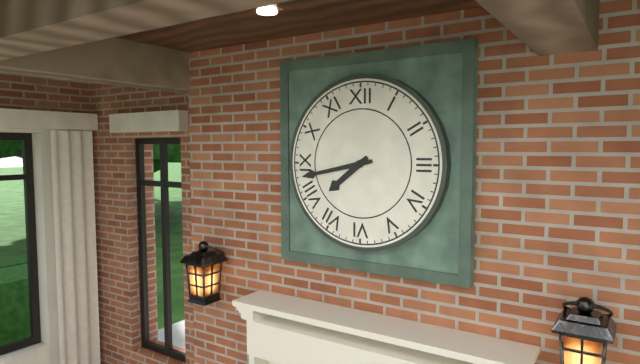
7h43
